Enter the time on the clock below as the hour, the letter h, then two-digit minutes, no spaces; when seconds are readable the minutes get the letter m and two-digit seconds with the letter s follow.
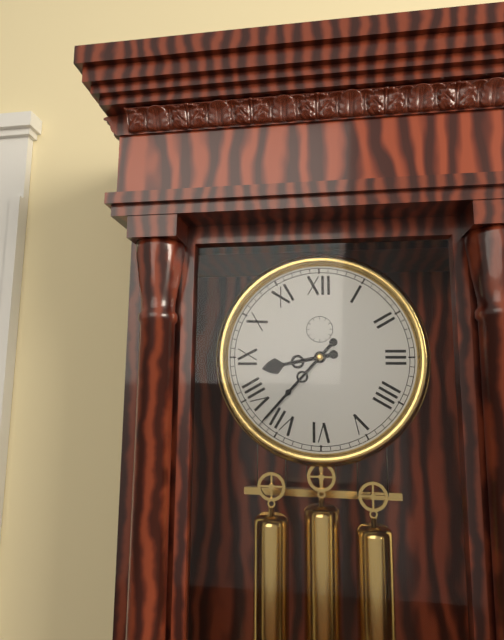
8h37
